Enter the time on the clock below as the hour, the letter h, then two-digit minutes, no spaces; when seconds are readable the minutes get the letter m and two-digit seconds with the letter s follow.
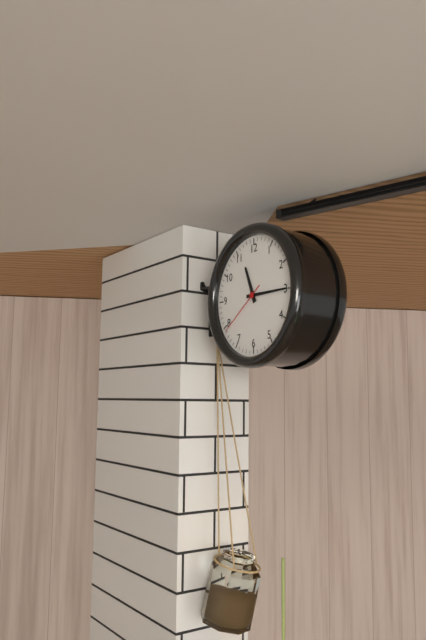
11h15m39s
